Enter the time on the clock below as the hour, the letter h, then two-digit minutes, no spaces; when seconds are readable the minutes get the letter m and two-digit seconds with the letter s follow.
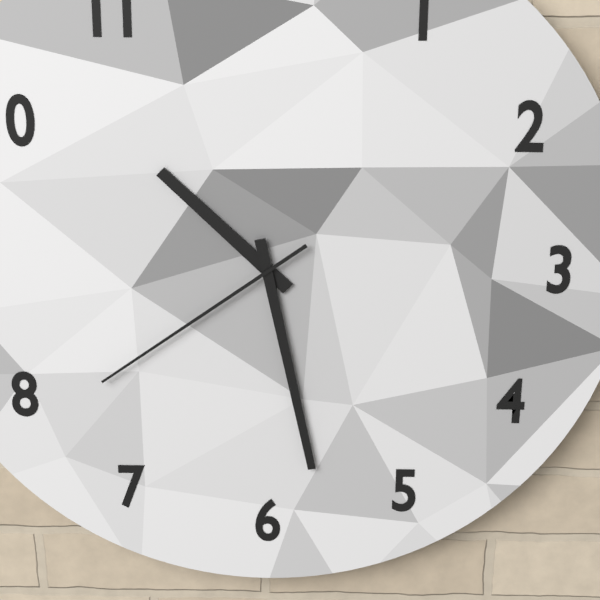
10h28m39s
